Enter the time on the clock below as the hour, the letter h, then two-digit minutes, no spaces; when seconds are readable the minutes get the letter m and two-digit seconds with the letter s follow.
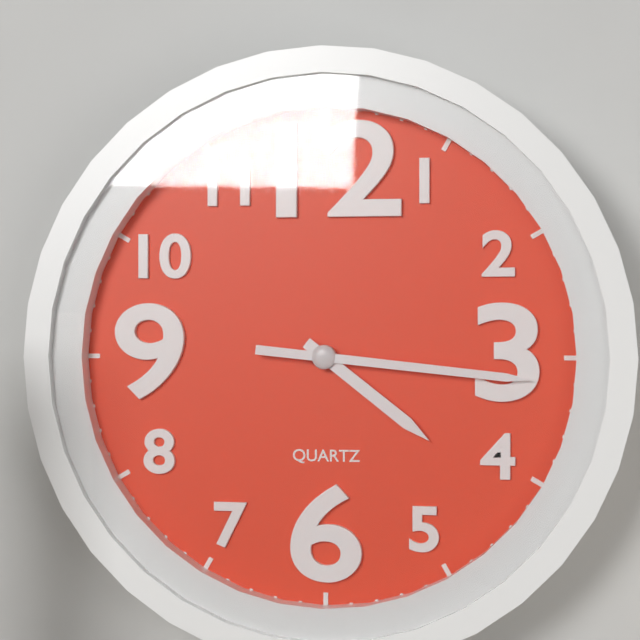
4h16
